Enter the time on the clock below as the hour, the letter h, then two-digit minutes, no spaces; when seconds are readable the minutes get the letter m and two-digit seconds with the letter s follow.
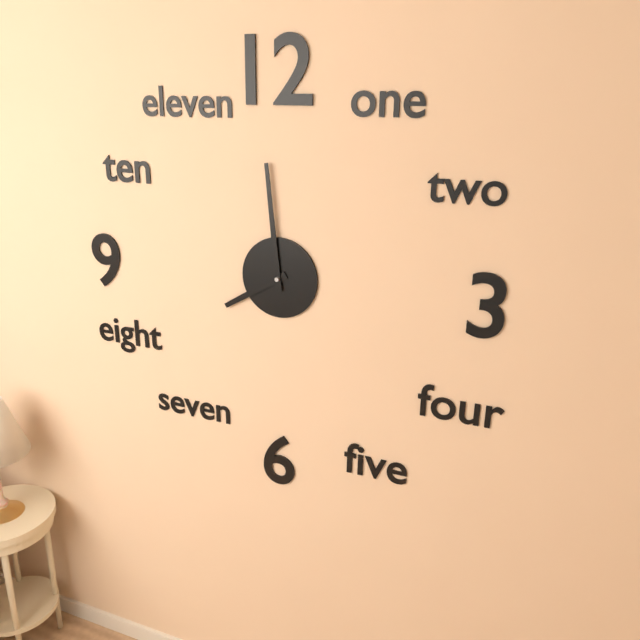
7h59
